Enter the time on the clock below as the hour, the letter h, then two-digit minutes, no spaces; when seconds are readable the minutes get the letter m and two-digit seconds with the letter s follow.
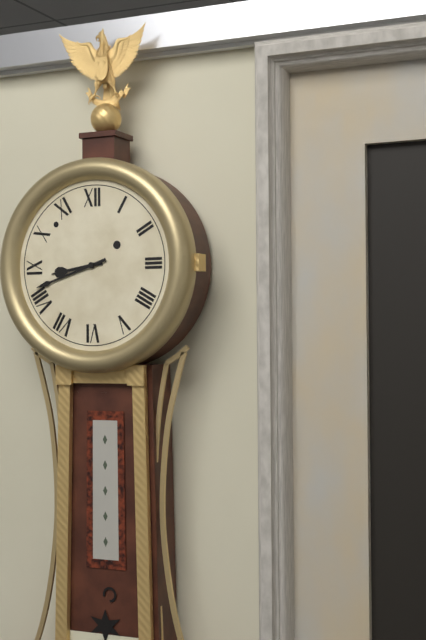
8h42
